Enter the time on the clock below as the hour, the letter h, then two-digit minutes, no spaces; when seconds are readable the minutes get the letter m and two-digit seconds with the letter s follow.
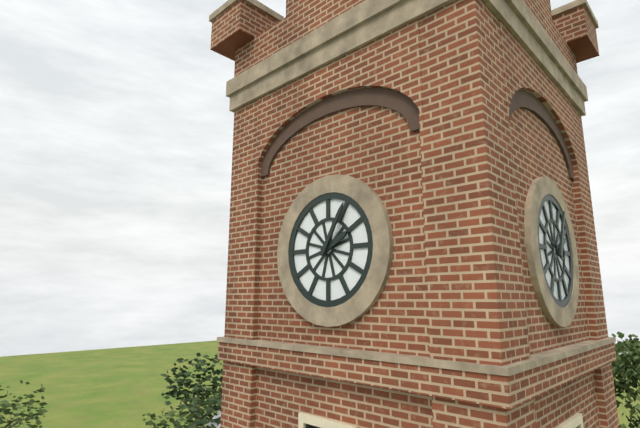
2h05
